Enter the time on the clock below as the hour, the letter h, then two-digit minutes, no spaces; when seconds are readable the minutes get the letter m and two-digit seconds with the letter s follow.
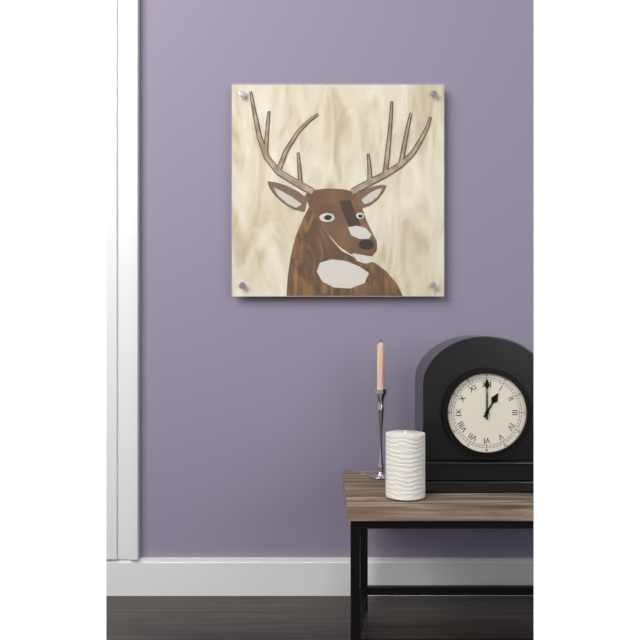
1h00
